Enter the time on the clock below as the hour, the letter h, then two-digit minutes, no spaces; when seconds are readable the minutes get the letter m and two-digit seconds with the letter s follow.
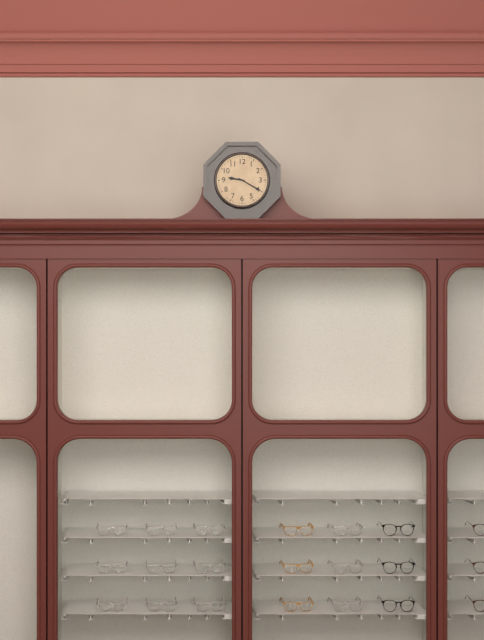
9h20
